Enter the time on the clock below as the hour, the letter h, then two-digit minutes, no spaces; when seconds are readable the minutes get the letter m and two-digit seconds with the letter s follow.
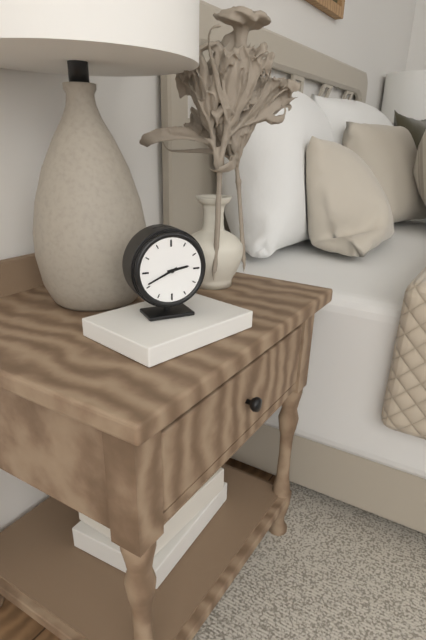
2h41
